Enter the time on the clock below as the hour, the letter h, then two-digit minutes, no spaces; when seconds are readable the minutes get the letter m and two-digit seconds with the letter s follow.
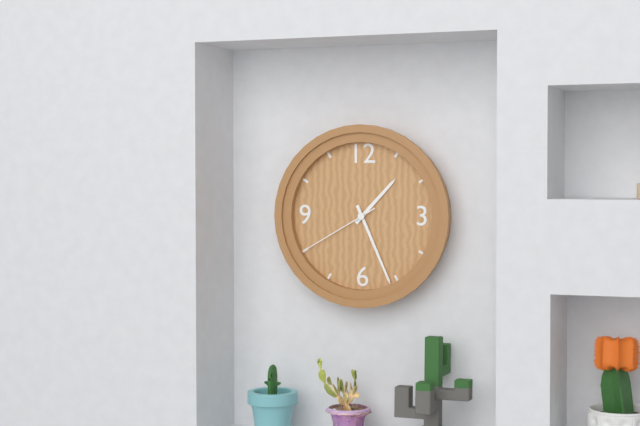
1h26m40s
